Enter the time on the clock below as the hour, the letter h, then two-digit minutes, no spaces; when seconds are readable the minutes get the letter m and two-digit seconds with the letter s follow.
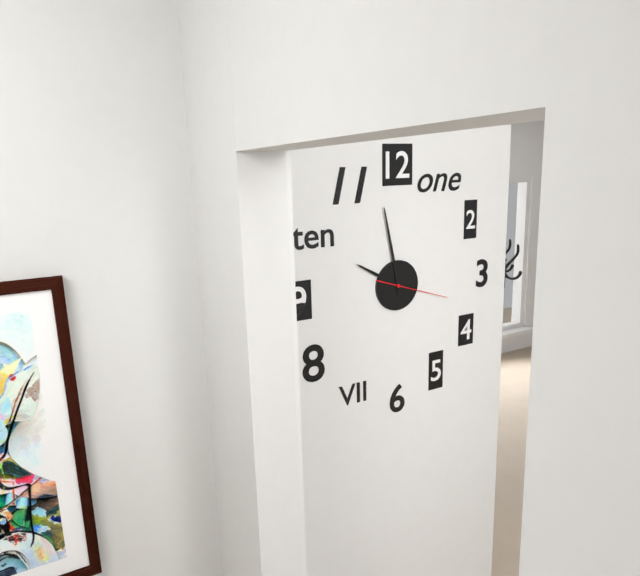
9h58m18s
